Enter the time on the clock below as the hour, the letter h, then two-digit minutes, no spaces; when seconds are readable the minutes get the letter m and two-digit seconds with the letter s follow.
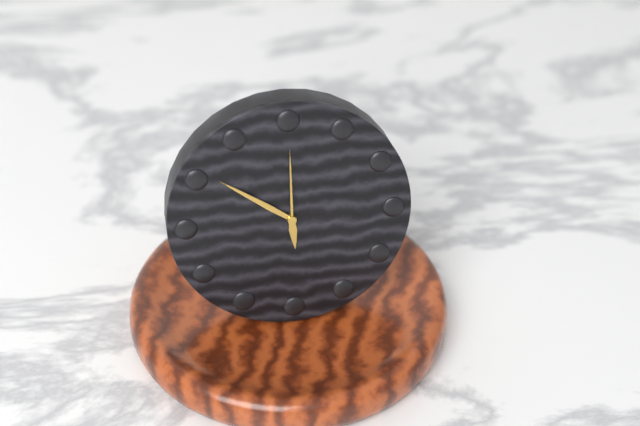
5h51m00s
